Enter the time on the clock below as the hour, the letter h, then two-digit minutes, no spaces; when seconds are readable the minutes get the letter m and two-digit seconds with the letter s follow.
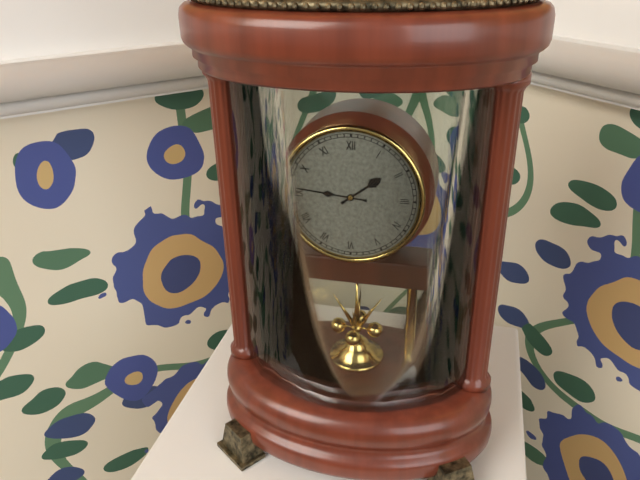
1h46
